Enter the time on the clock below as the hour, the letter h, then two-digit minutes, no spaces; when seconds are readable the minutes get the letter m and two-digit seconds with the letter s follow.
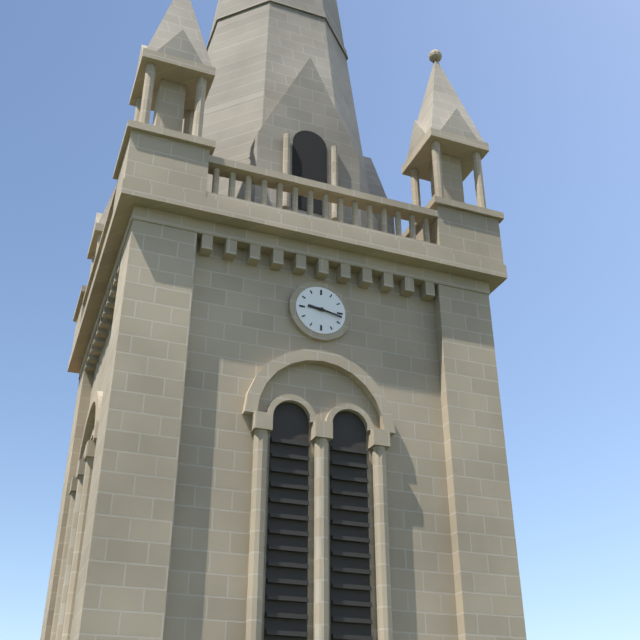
9h17
